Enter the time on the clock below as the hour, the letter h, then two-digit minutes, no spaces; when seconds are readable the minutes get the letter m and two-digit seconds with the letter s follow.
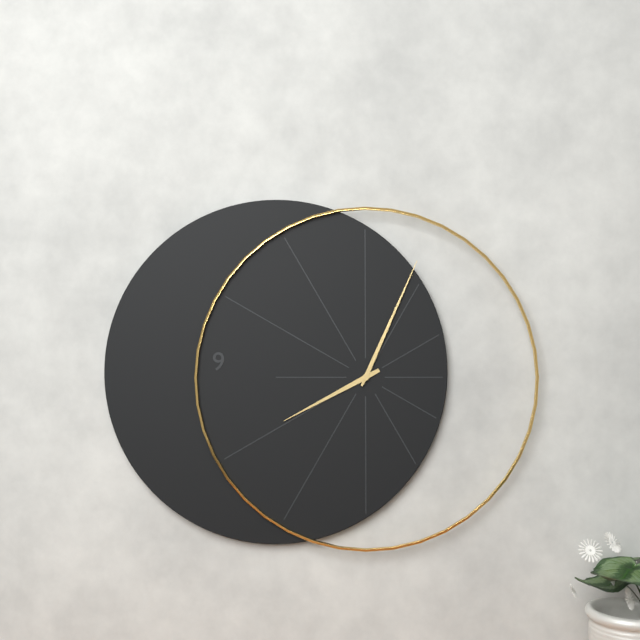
8h04
